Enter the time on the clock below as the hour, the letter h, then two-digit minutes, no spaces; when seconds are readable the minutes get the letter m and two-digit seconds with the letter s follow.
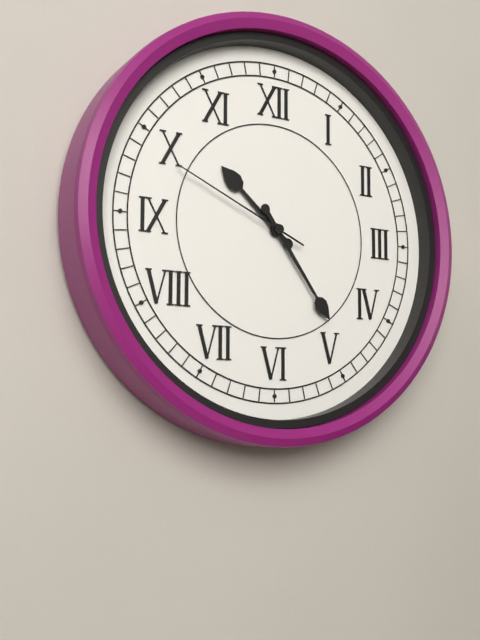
10h24m49s
